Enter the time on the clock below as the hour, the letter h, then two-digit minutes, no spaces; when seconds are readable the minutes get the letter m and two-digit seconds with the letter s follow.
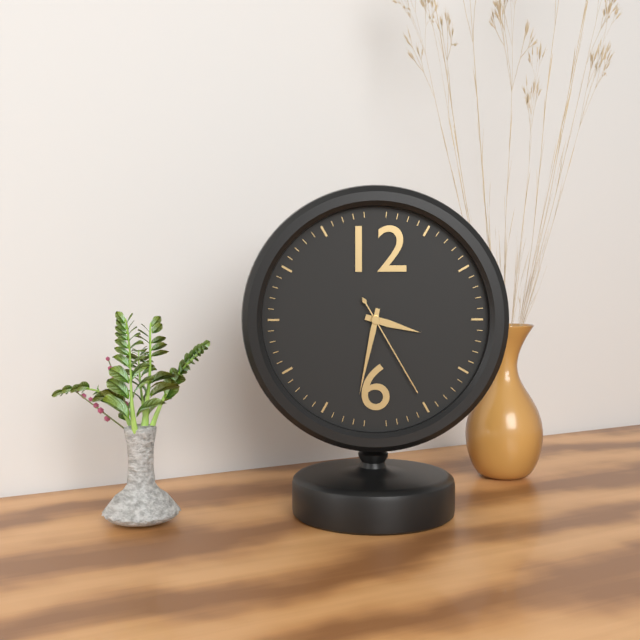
3h32m25s
